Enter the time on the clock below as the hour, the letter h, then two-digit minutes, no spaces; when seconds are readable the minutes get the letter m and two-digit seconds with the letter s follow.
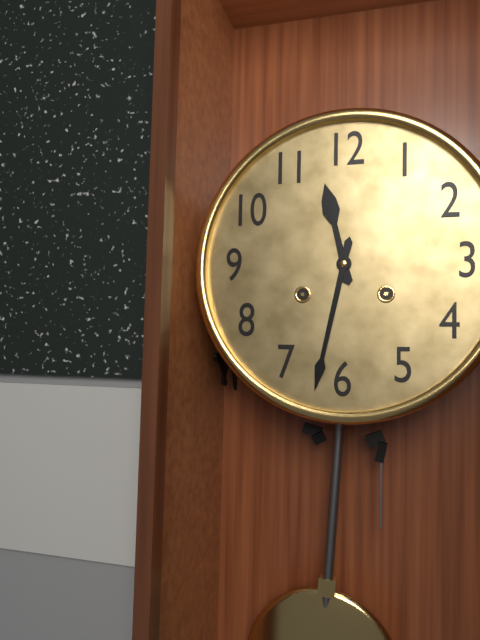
11h32
